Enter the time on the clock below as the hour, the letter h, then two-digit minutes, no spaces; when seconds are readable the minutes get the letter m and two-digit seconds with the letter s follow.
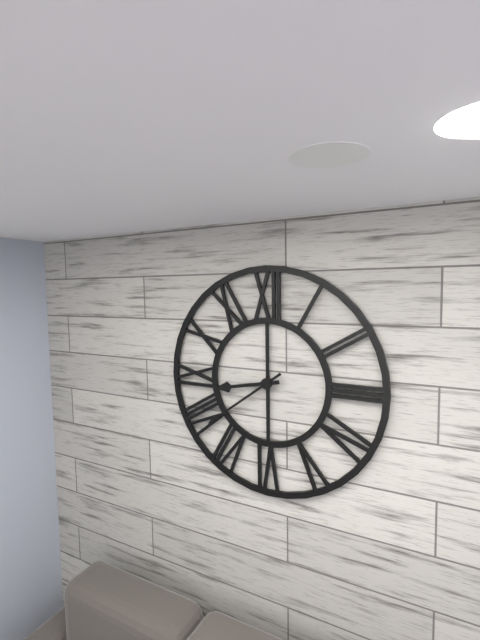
8h39
